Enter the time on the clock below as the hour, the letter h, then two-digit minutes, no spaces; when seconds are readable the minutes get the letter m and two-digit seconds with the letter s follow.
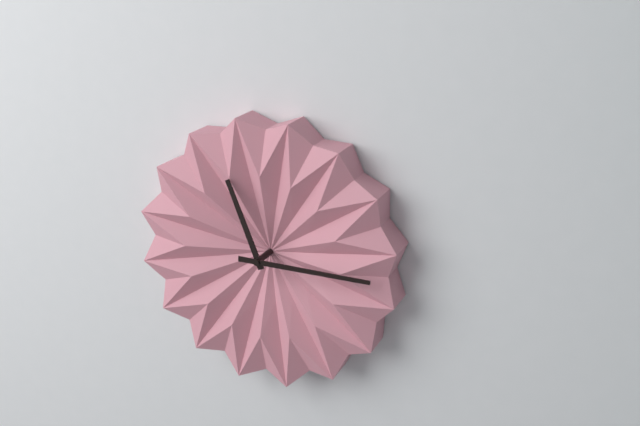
11h15
